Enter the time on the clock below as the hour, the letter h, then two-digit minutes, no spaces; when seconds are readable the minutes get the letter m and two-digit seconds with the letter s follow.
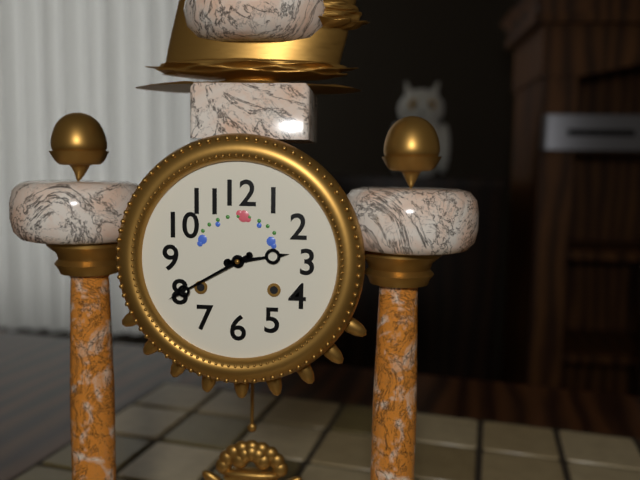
2h40
